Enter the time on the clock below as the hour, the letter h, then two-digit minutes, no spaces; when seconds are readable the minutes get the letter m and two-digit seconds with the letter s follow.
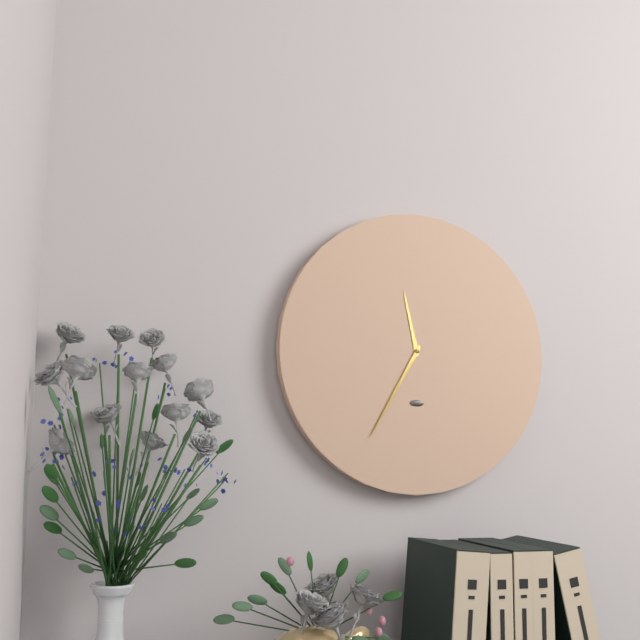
11h35
